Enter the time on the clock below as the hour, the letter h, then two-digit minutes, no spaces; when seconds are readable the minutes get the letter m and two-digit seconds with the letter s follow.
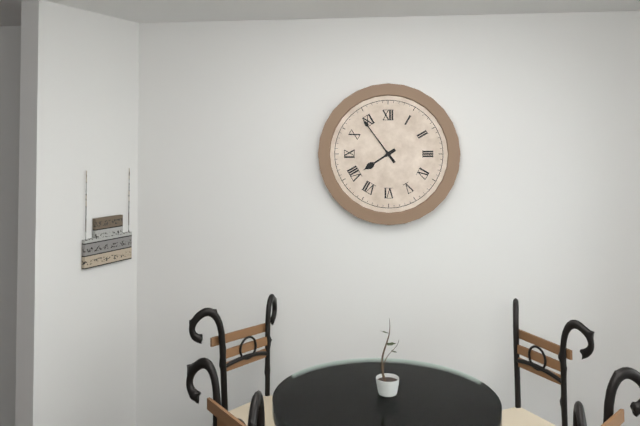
7h54
